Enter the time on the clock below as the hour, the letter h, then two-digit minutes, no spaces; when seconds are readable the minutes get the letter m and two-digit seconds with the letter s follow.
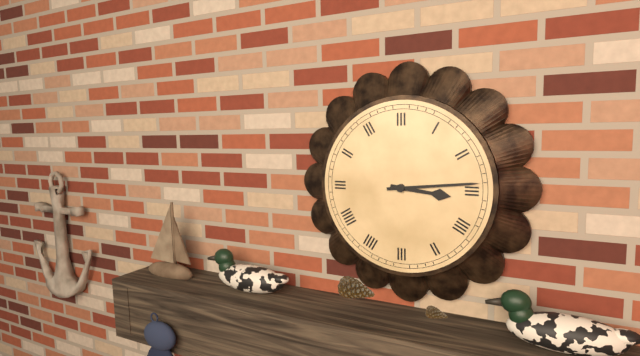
3h14
